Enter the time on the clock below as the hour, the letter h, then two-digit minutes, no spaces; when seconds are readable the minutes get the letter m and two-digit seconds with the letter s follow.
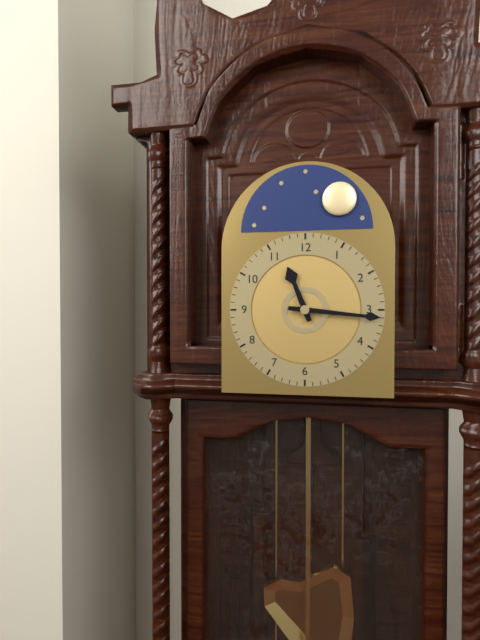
11h16
